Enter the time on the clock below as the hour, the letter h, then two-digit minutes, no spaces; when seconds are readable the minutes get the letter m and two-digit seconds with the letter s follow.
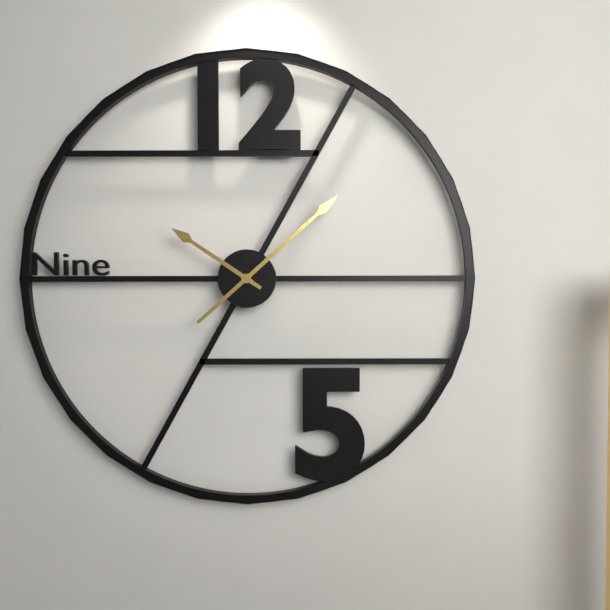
10h08
